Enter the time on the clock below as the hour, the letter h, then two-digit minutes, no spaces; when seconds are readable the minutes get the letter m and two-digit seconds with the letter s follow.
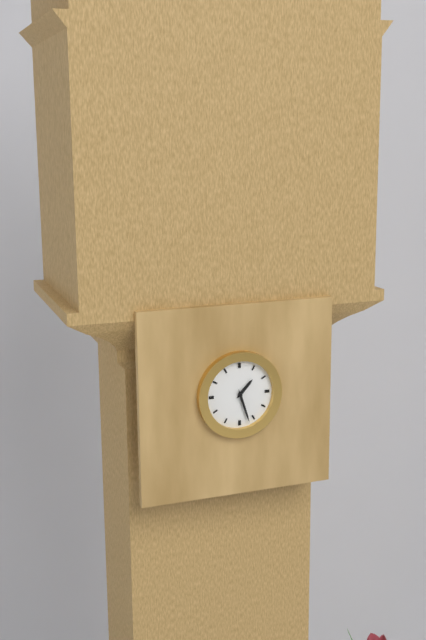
1h27
